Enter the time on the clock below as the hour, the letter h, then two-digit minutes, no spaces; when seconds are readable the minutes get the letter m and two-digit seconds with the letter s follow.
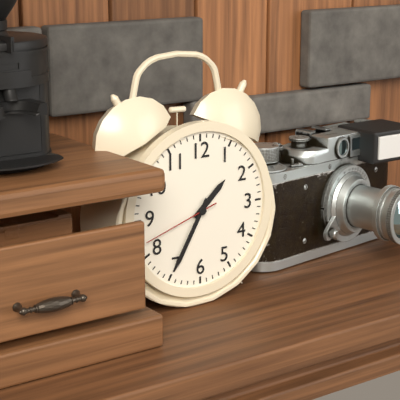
1h35m42s
